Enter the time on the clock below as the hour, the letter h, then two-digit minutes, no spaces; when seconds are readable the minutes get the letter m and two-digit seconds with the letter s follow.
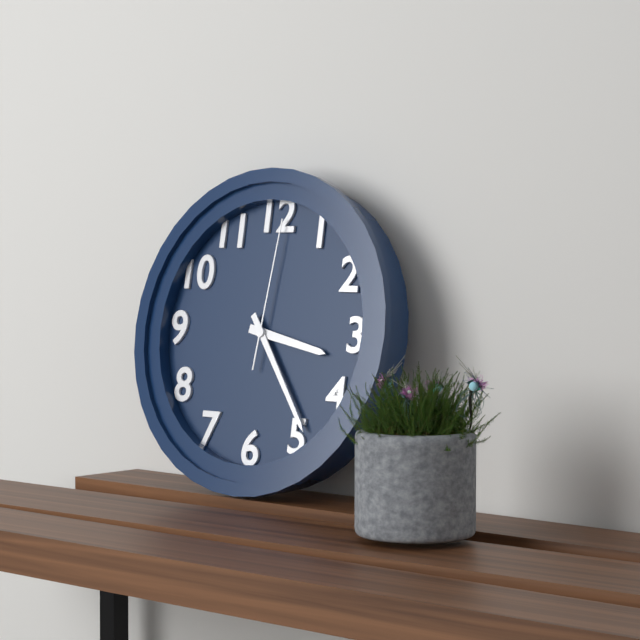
3h24m01s
